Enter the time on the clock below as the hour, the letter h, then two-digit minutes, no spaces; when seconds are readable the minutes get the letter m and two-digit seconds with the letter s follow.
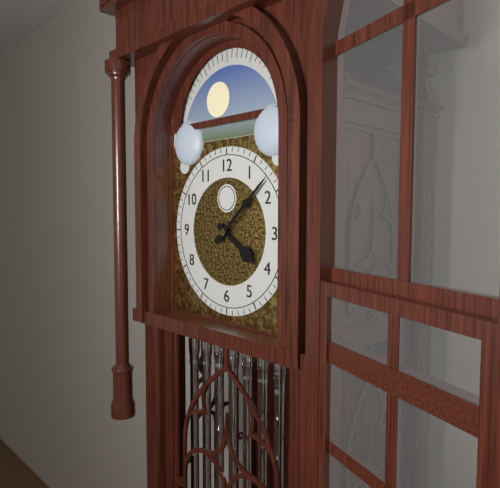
4h08
